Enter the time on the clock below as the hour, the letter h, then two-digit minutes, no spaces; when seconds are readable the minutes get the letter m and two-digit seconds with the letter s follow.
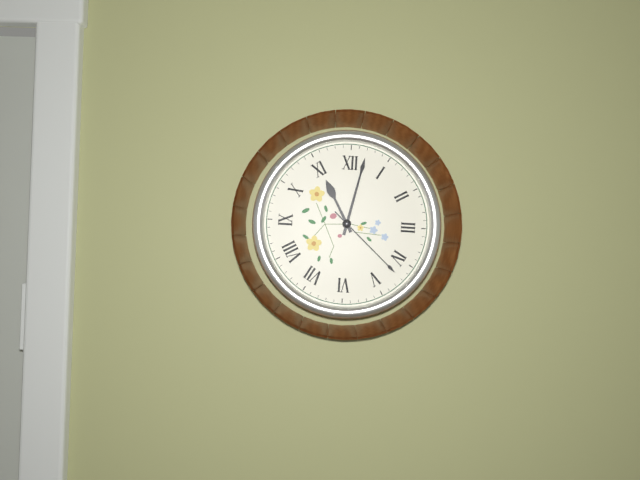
11h02m22s
